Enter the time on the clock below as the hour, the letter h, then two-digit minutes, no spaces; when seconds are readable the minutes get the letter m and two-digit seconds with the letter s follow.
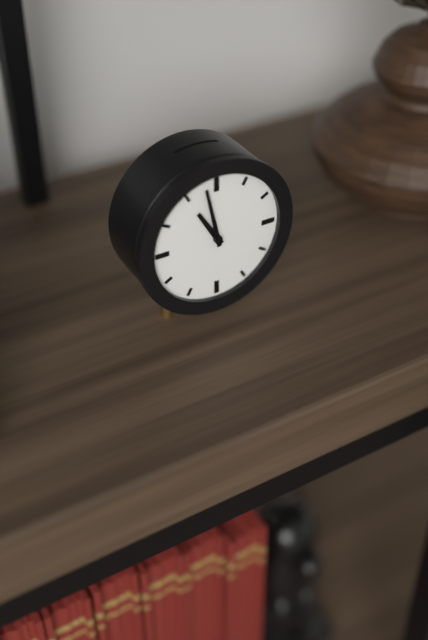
10h58
